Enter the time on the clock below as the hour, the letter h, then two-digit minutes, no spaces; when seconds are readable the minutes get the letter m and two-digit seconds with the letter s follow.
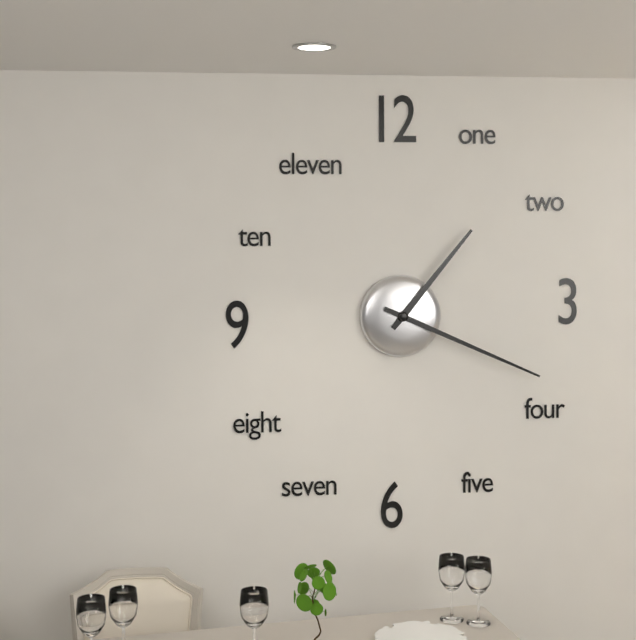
1h19
